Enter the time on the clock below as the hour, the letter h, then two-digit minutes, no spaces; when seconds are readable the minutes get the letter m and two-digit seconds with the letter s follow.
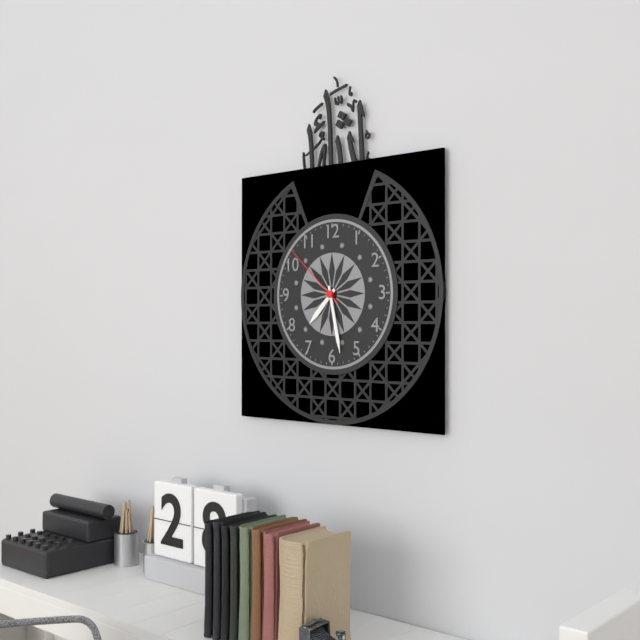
7h28m52s
